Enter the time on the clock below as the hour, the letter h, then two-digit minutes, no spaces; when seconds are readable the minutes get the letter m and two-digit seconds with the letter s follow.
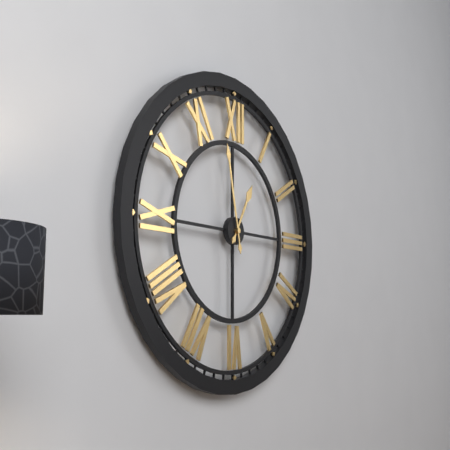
12h58
